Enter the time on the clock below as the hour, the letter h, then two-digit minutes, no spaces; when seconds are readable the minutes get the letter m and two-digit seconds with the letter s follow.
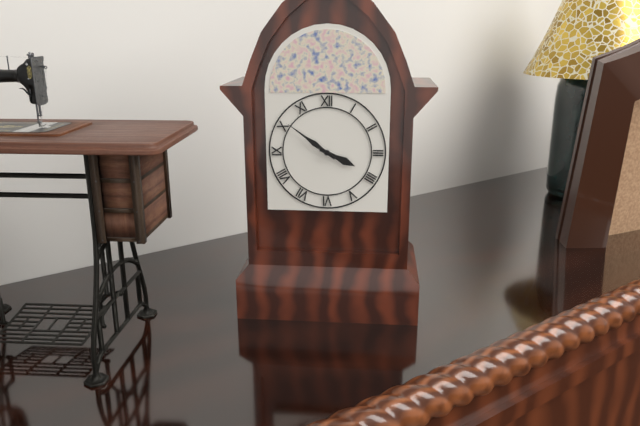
3h51
